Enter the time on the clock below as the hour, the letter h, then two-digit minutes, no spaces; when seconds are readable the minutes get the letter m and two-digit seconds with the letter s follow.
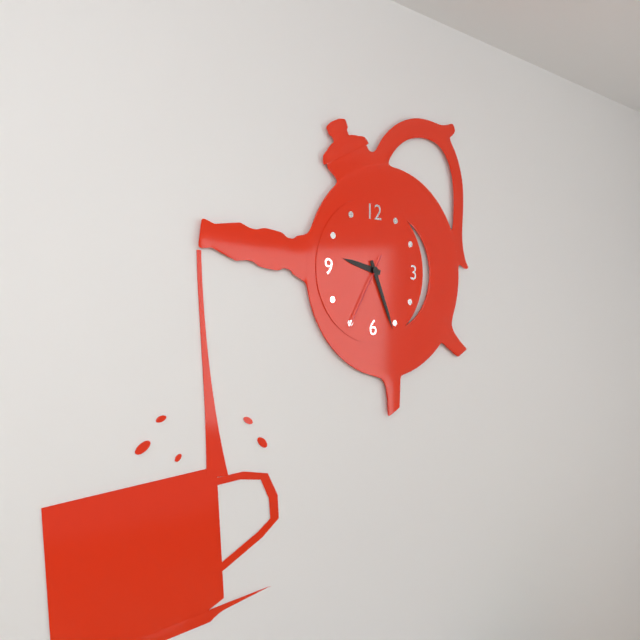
9h26m35s
